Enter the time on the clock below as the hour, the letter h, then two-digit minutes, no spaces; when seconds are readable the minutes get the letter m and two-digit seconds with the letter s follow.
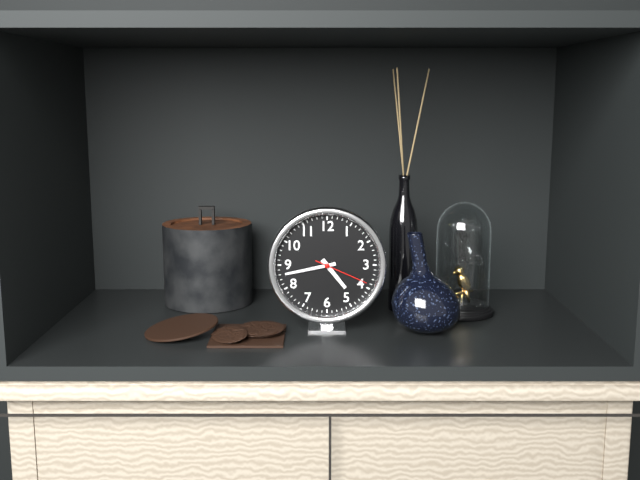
4h43m19s
